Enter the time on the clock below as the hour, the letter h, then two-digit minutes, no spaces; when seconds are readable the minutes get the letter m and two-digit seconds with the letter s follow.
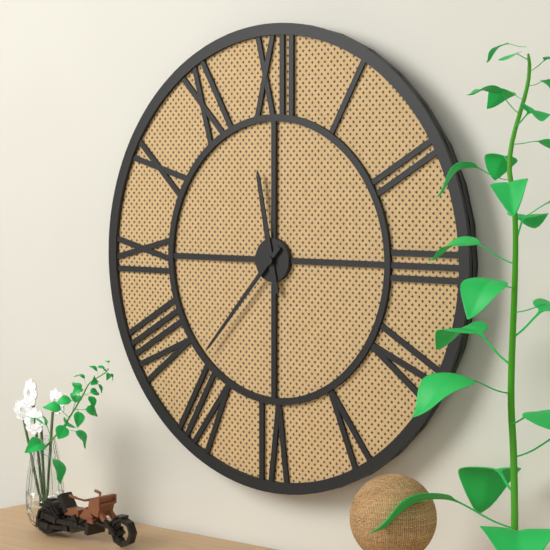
11h37
